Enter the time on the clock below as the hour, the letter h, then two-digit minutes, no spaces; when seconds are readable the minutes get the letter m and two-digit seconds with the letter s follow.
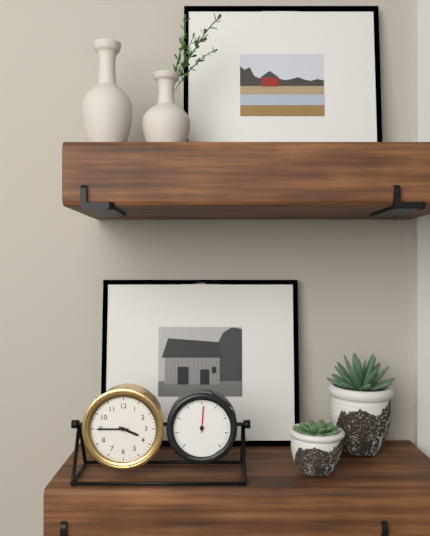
3h45
